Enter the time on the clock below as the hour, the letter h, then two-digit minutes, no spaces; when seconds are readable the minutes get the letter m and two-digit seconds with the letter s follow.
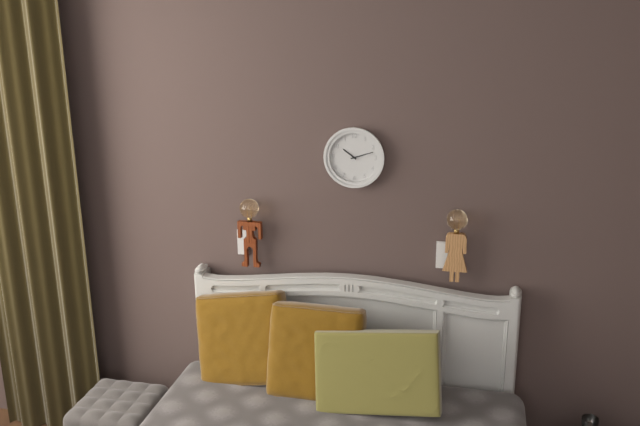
10h12
